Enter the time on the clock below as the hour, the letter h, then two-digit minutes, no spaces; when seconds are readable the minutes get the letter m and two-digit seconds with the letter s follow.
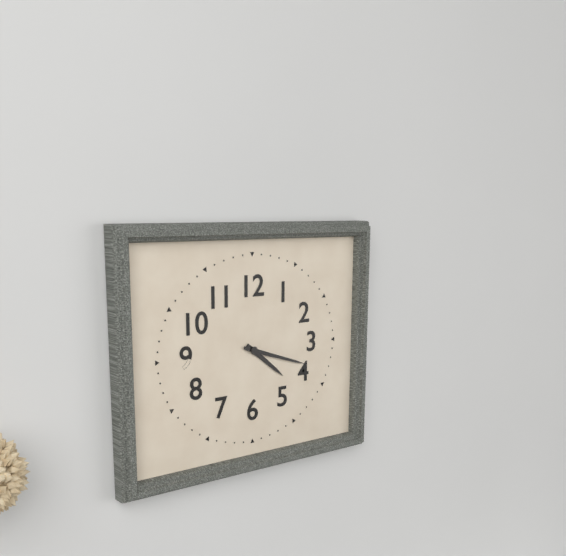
4h18
